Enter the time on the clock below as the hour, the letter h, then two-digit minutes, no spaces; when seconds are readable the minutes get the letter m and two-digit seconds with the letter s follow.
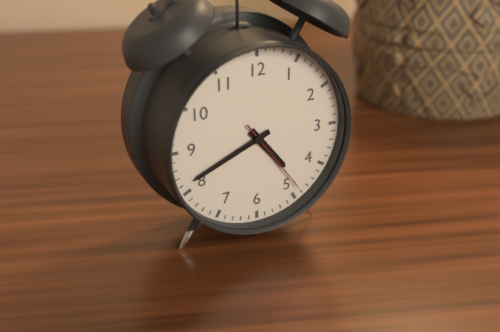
4h41m24s
